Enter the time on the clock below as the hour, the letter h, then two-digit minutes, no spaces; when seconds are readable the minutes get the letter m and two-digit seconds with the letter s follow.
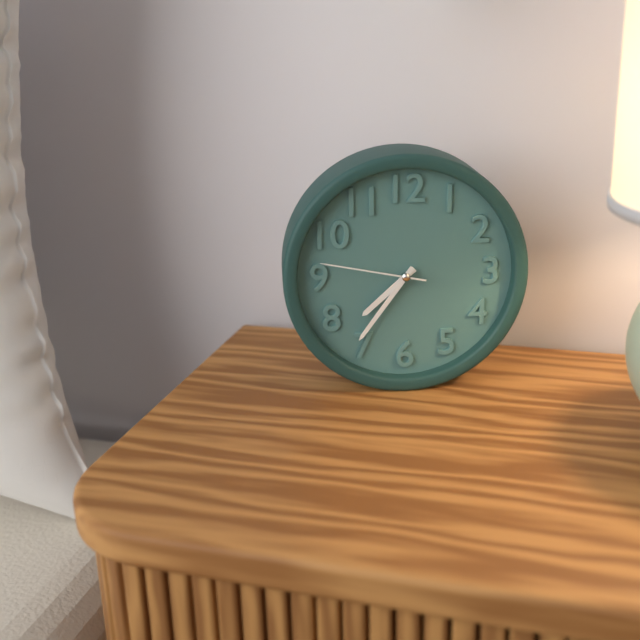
7h36m47s
